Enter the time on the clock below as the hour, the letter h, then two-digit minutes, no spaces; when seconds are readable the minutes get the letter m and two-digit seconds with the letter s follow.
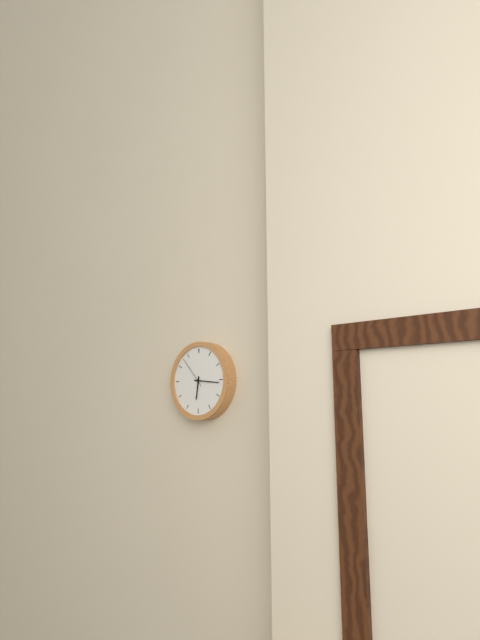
6h16
